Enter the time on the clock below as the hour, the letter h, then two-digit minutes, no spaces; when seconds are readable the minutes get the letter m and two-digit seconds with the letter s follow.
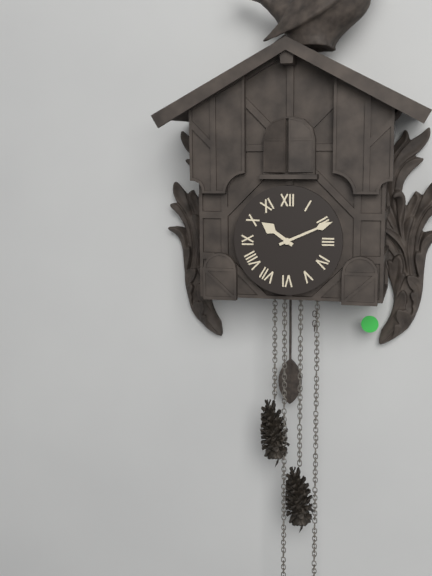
10h11
